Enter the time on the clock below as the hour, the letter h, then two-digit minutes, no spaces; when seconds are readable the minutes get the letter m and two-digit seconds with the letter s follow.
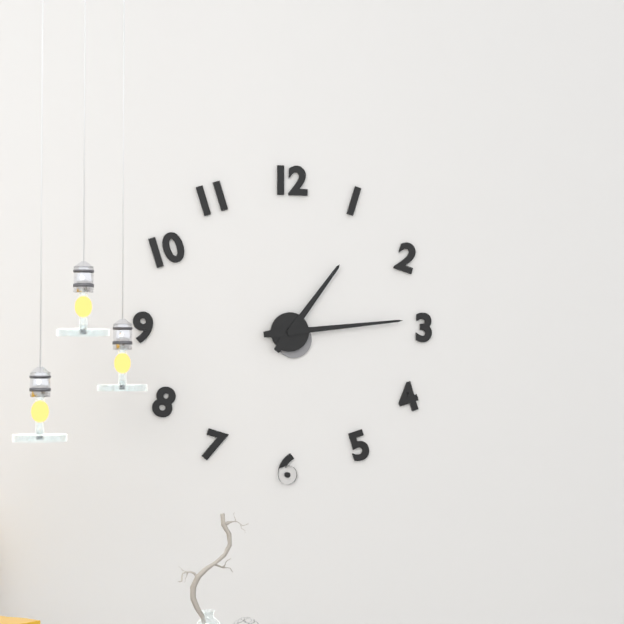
1h14
